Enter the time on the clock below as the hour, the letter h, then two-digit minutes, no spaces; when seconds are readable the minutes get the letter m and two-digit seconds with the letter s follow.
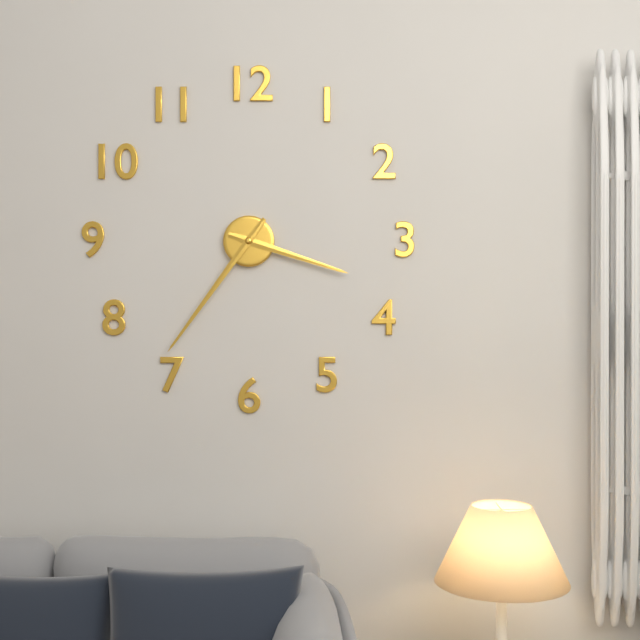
3h36
